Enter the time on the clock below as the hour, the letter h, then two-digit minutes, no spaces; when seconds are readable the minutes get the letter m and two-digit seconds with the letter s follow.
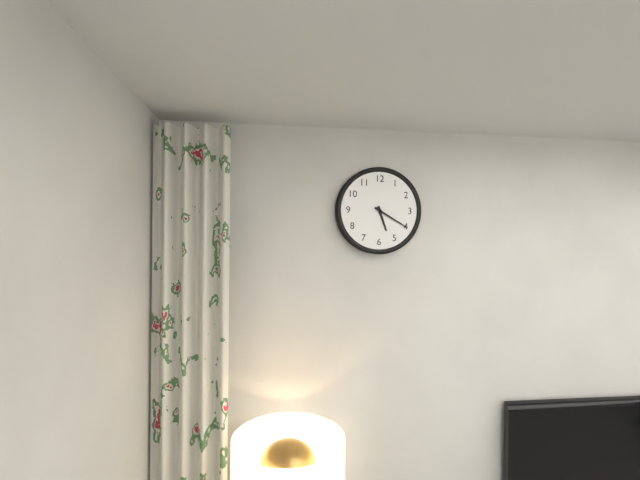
5h20
